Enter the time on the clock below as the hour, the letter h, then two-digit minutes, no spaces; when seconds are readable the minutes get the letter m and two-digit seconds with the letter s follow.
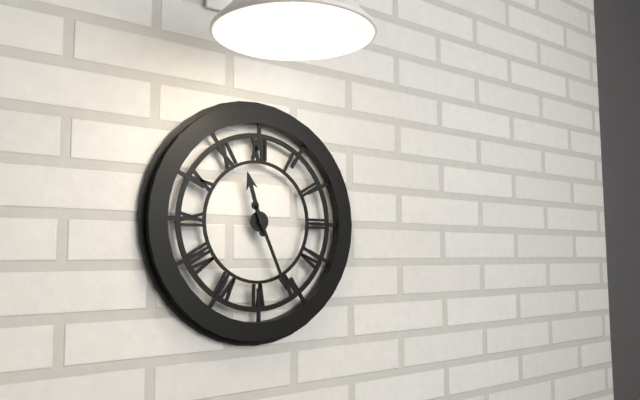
11h26
